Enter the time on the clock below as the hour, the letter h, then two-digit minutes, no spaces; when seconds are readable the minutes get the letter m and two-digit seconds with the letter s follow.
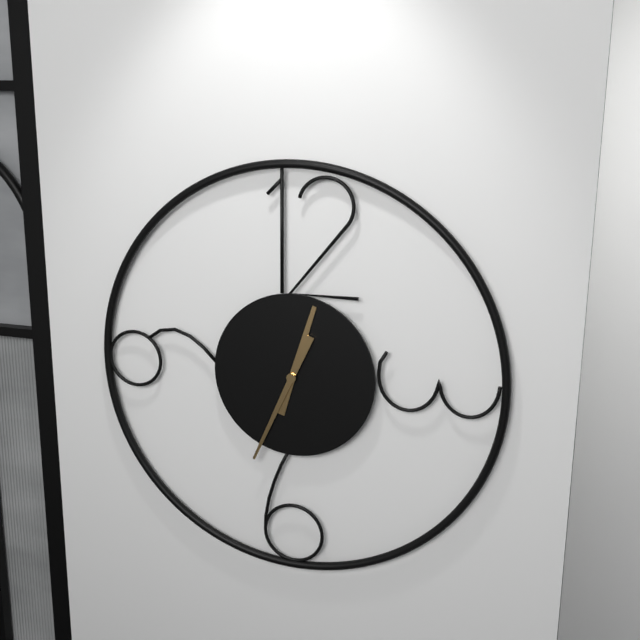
12h34
